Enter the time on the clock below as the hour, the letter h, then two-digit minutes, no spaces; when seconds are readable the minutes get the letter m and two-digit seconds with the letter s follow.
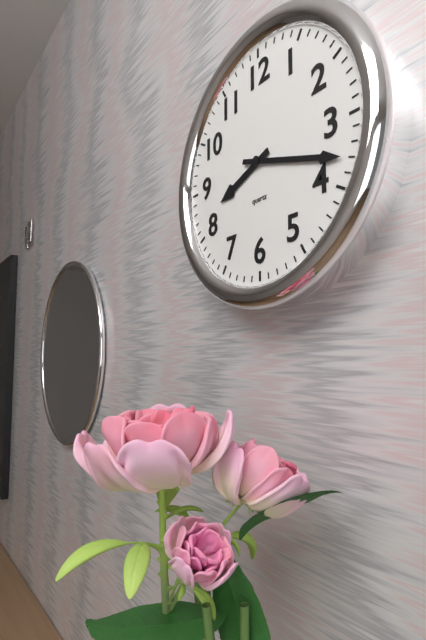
8h18
